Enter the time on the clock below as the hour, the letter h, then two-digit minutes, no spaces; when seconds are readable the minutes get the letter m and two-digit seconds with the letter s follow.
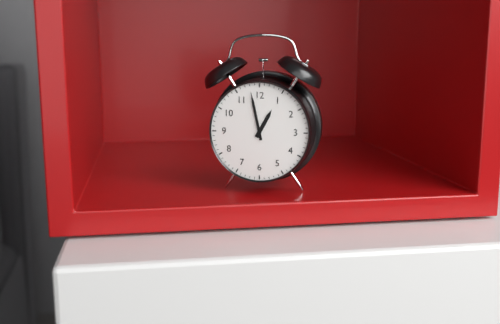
12h58
